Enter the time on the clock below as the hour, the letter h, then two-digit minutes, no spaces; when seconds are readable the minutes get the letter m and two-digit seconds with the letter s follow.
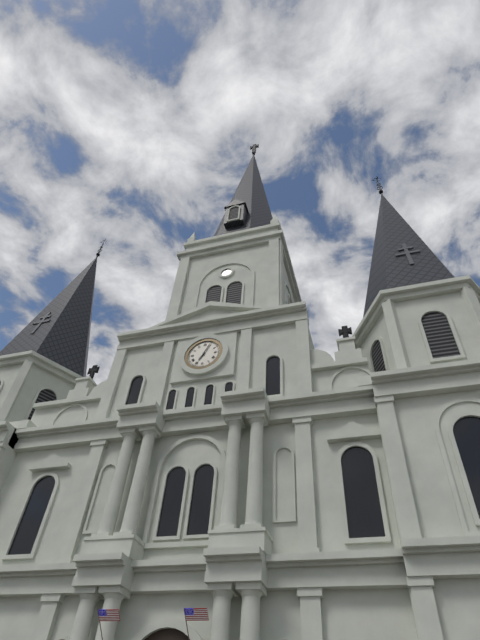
7h04
